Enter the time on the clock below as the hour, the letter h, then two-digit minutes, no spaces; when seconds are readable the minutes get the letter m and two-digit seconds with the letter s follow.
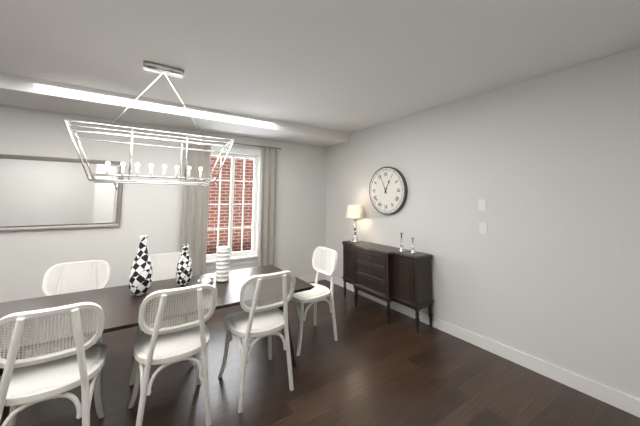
12h56
